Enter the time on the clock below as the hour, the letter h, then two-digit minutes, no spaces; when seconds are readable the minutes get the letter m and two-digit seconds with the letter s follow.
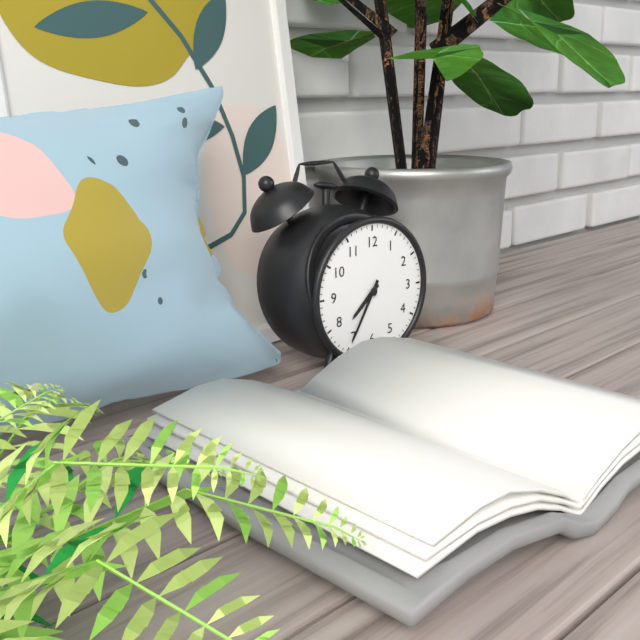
7h35
